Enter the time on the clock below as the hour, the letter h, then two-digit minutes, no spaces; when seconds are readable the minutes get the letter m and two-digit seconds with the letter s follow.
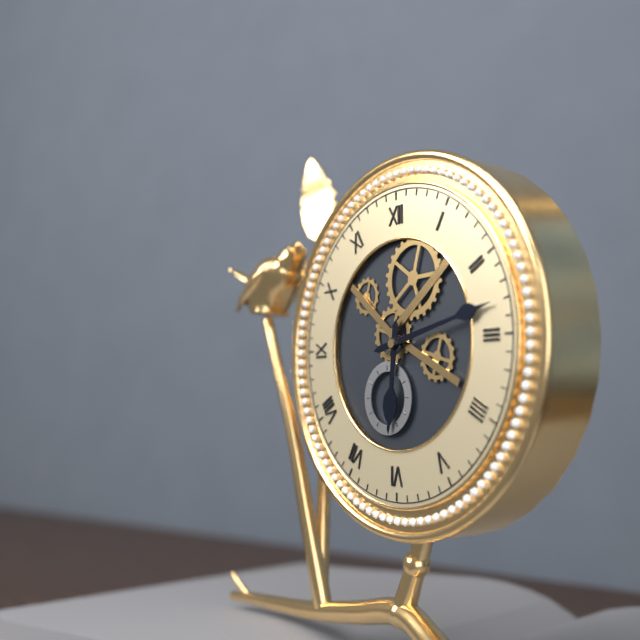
6h13
